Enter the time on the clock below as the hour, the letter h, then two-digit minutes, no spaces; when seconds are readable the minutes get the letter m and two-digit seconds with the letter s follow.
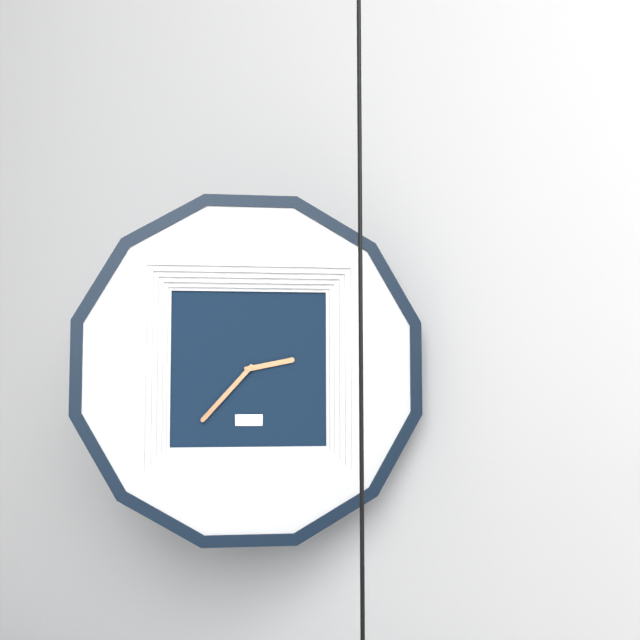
2h37
